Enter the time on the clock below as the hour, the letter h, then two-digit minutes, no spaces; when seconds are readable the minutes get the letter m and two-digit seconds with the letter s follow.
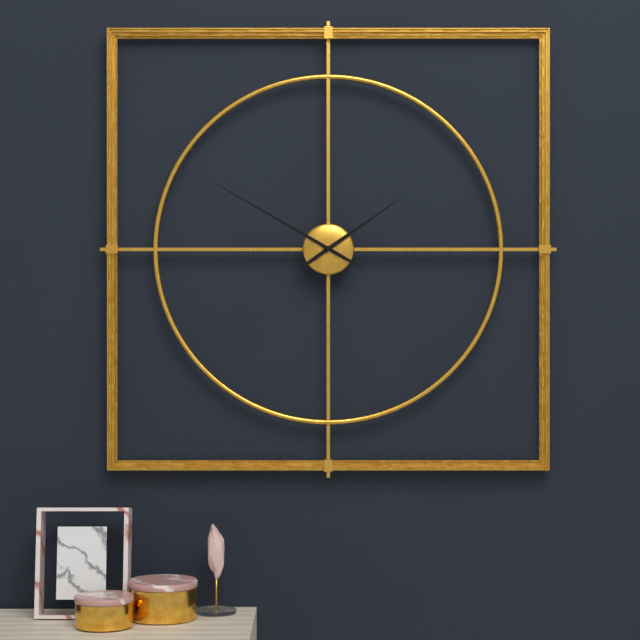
1h50
